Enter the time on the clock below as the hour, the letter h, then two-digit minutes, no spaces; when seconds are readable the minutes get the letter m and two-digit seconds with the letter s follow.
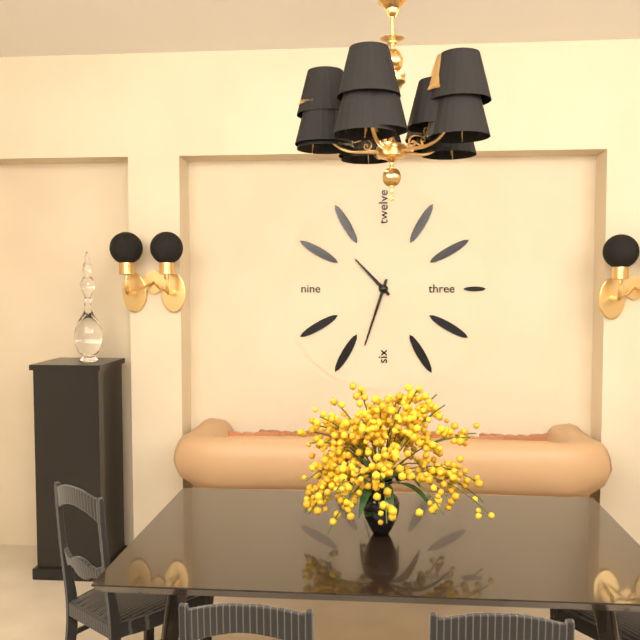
10h33
